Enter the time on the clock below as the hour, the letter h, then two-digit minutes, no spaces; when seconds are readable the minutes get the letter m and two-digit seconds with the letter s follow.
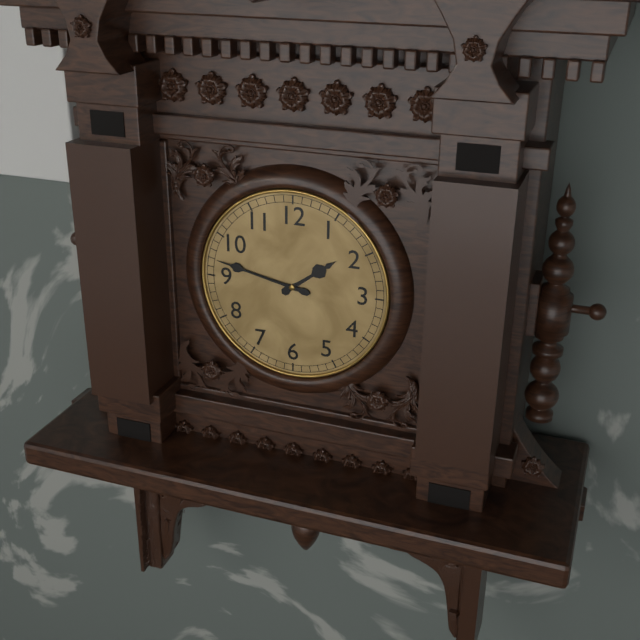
1h47
